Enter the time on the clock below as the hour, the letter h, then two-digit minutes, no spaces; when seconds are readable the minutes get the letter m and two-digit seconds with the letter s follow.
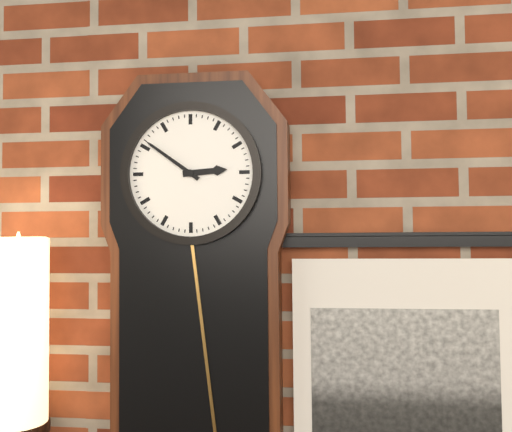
2h51
